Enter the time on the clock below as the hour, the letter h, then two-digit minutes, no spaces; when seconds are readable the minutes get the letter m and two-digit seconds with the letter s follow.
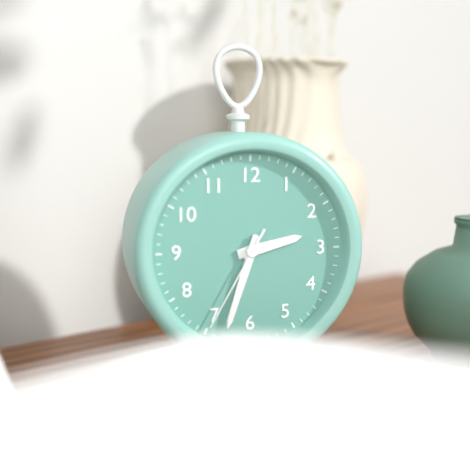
2h33m35s
